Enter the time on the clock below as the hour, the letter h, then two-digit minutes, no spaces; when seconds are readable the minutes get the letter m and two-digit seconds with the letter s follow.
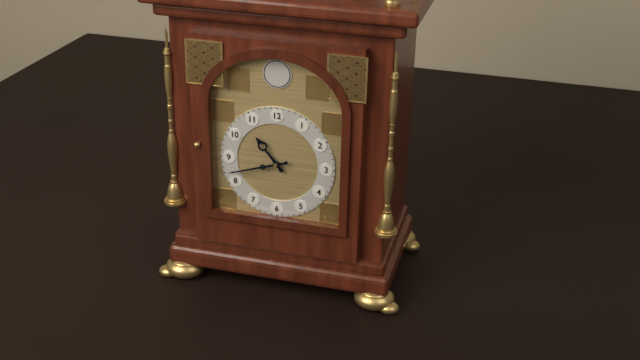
10h42
